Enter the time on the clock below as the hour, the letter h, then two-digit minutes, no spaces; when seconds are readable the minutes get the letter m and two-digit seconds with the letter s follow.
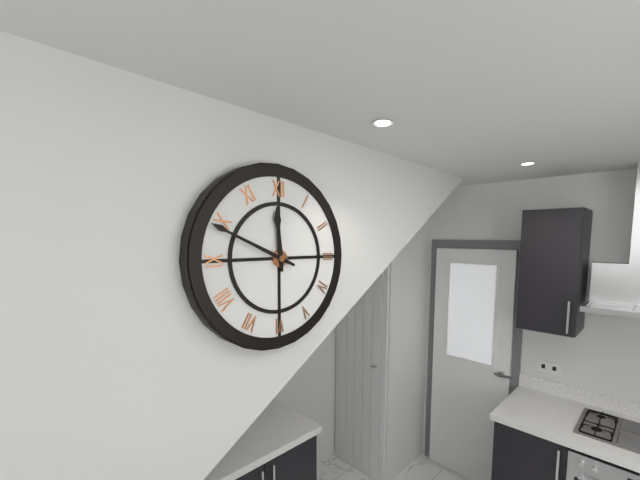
11h49
